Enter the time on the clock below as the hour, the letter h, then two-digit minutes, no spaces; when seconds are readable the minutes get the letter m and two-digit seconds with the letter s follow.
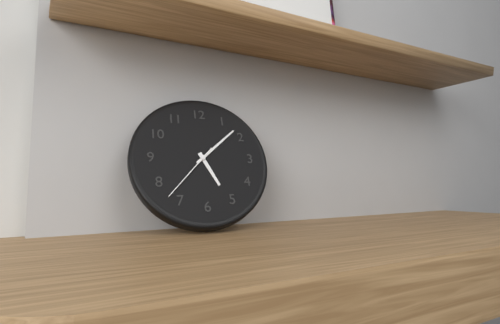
5h08m37s
